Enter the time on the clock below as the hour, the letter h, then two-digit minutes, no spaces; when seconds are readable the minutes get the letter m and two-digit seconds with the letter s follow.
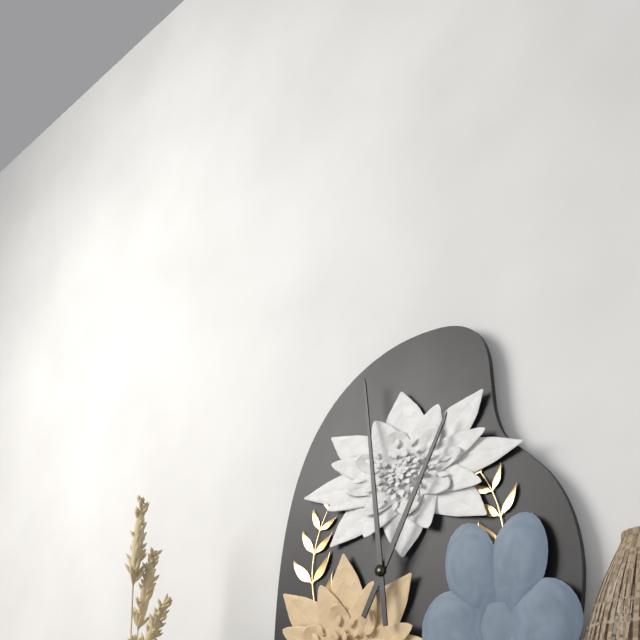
12h59
